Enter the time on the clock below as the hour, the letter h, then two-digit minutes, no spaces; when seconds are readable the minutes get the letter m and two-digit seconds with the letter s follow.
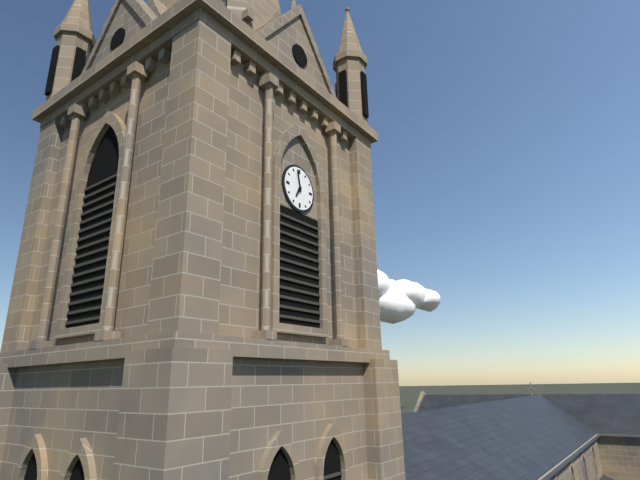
6h58
